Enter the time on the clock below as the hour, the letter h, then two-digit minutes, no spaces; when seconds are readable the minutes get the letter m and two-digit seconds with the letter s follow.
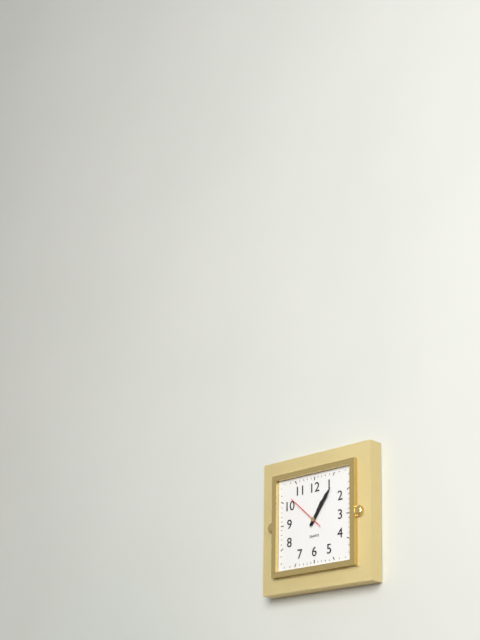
1h06
